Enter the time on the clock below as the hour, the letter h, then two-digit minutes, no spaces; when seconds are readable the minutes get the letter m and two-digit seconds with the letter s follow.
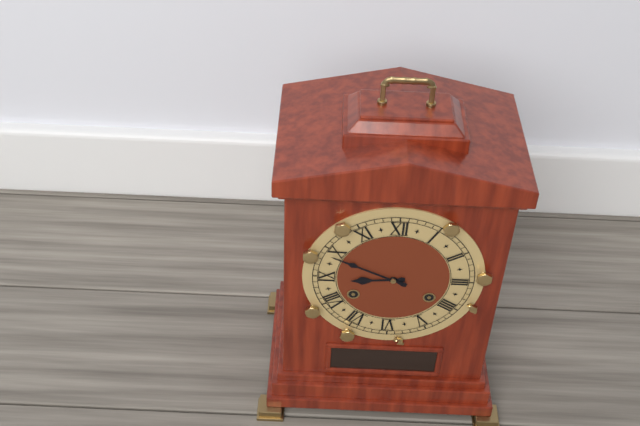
8h49
